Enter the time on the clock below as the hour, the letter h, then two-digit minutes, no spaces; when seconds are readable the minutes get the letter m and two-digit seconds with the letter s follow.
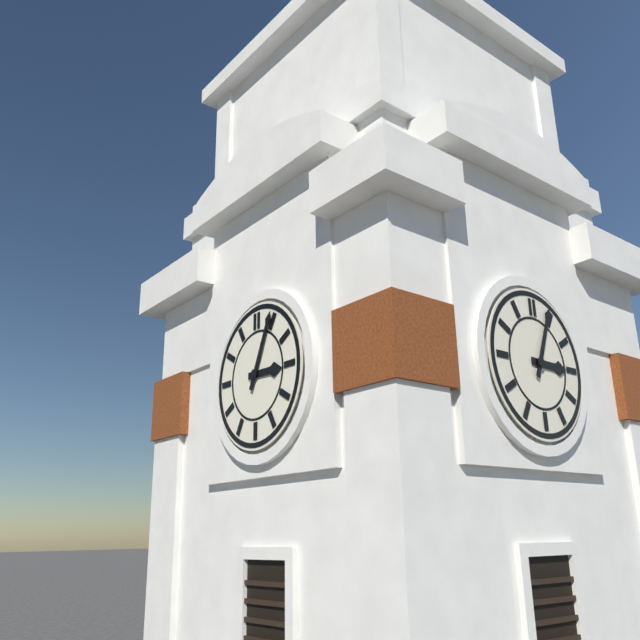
3h04
